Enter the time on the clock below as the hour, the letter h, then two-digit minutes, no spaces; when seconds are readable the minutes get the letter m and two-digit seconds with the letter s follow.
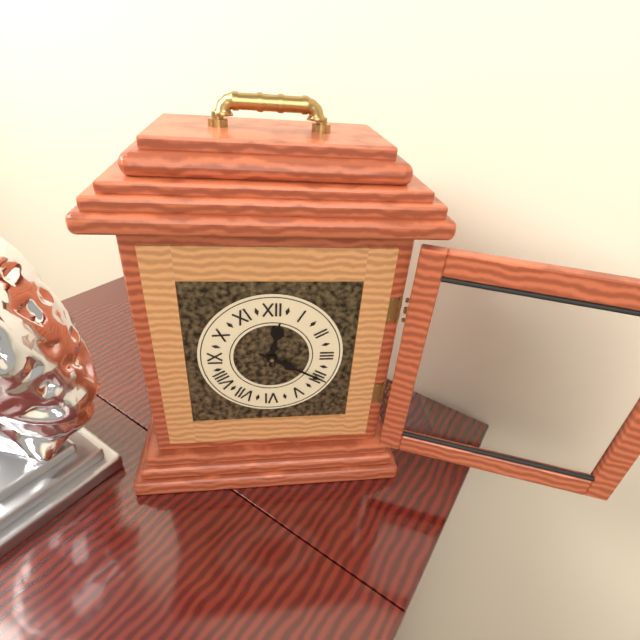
12h20
